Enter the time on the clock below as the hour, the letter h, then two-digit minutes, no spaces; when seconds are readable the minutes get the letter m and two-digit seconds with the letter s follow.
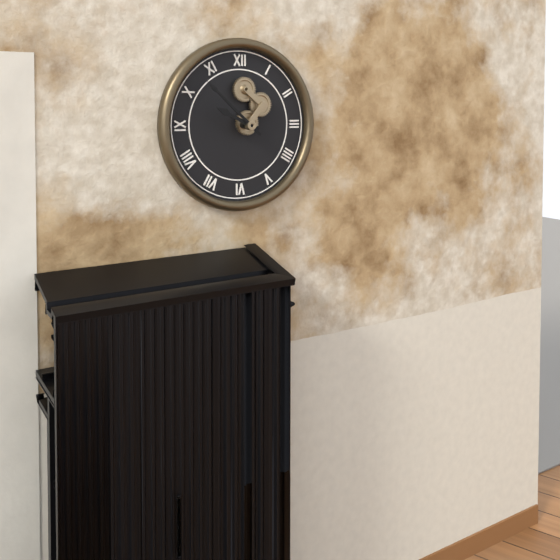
9h52
